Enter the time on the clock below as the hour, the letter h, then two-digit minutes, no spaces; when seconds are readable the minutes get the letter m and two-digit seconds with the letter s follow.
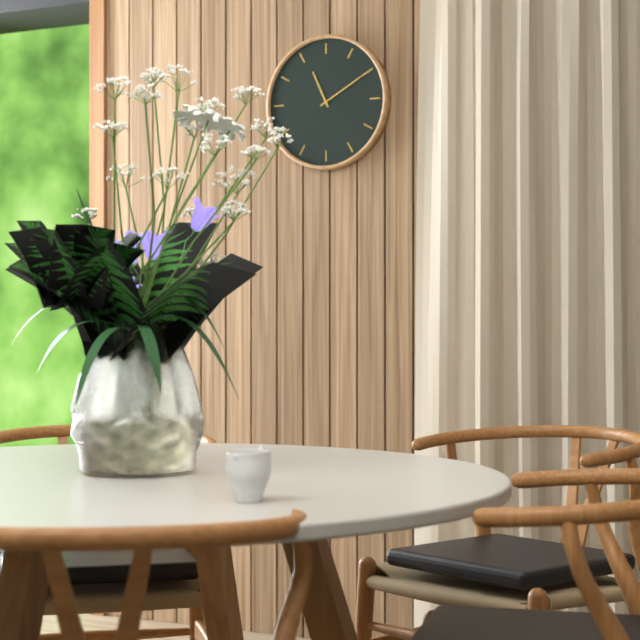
11h10
